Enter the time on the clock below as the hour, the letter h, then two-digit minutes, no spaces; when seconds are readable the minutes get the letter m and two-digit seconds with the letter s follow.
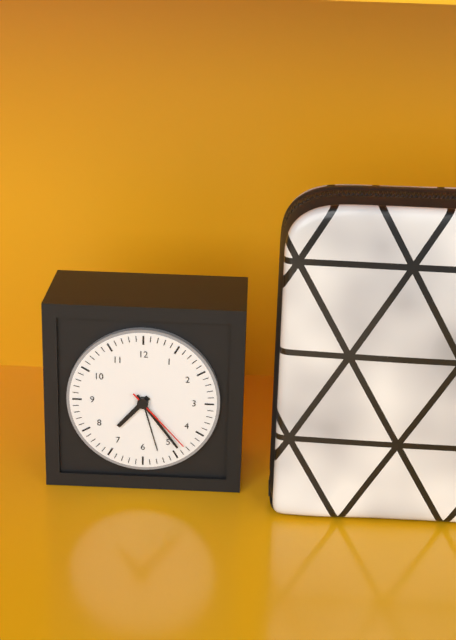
7h24m23s
